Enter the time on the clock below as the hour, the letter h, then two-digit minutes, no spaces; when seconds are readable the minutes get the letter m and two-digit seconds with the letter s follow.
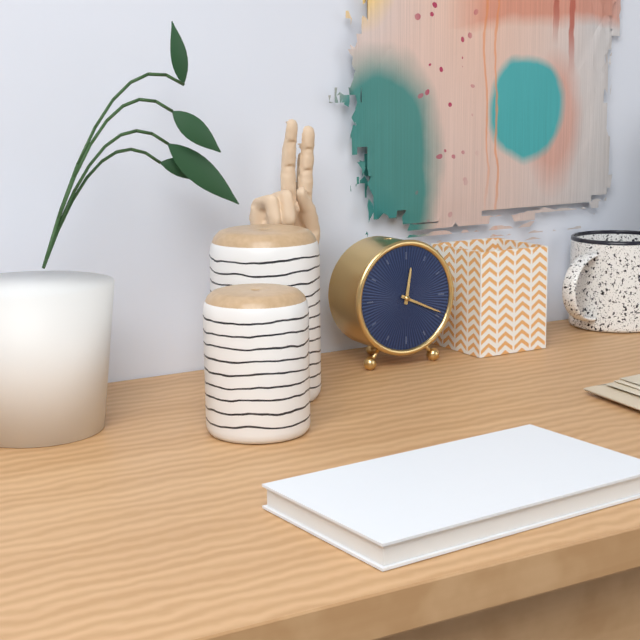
12h19
